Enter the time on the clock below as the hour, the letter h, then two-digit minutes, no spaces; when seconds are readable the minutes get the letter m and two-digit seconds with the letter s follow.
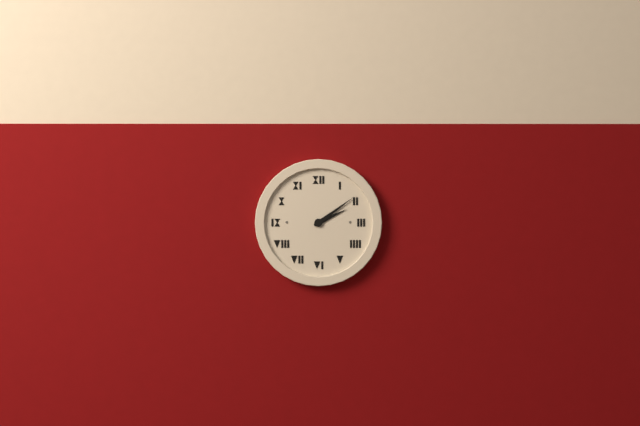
2h09
